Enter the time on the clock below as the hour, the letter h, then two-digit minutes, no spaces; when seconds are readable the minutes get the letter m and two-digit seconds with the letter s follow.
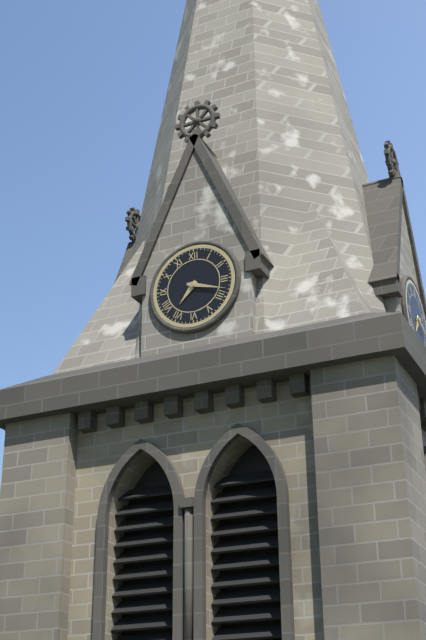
7h18
